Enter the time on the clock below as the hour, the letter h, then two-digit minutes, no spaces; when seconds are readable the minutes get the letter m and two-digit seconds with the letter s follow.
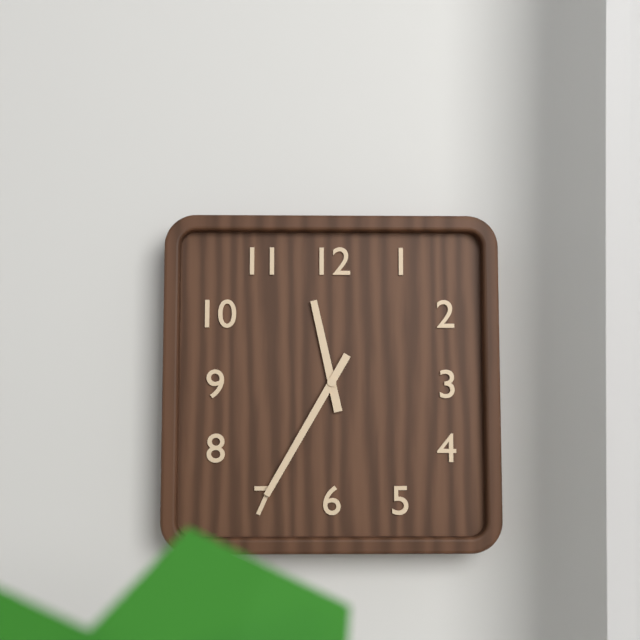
11h35
